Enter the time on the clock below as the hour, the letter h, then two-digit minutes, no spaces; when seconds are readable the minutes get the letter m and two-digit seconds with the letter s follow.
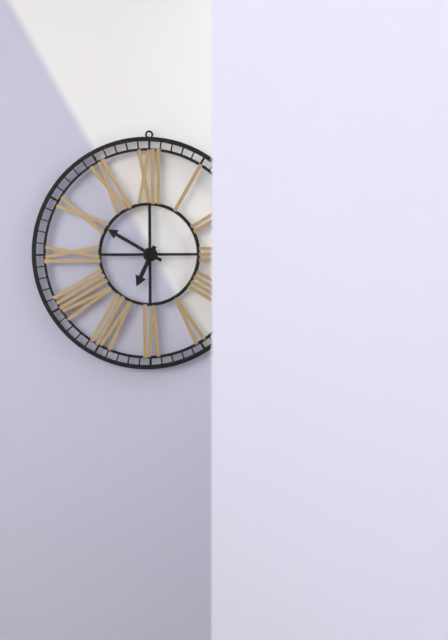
6h50
